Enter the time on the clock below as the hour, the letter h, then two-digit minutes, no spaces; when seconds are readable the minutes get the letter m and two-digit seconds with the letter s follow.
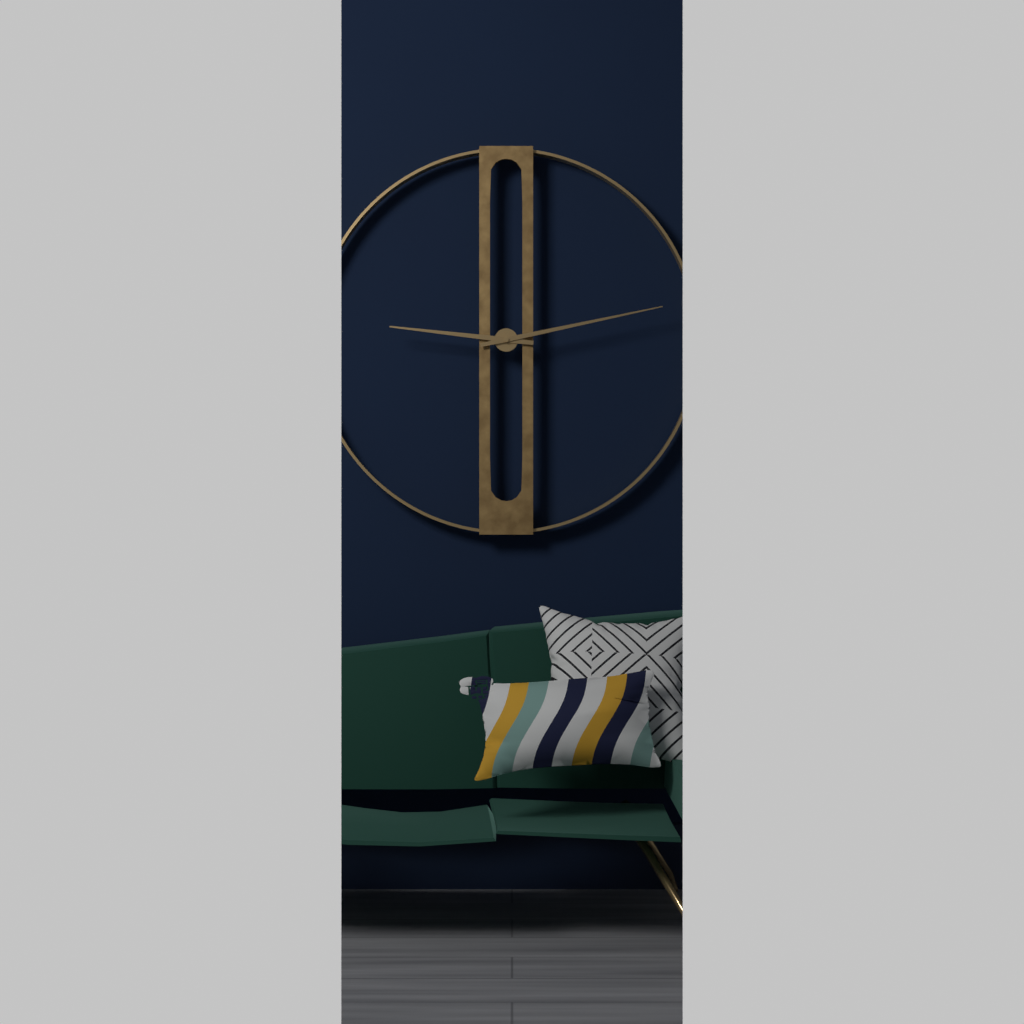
9h13
